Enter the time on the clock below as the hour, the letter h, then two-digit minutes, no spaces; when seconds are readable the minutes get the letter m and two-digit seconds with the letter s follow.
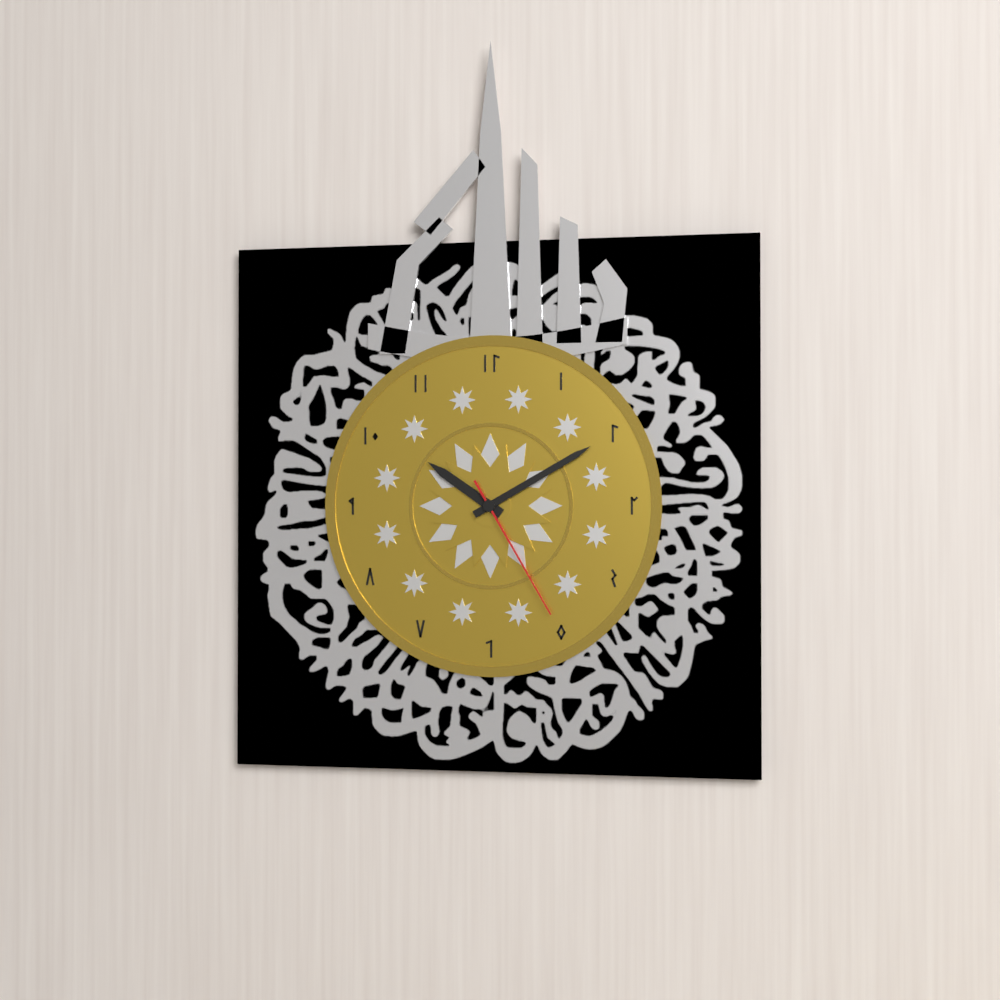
10h10m25s
